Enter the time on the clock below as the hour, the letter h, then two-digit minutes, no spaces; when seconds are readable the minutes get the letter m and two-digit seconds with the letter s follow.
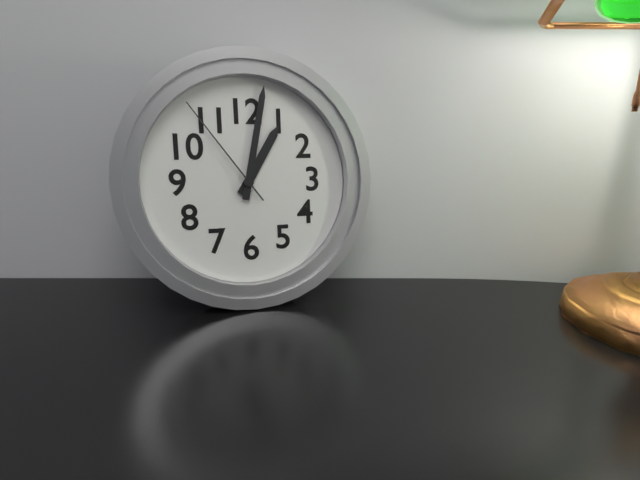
1h02m54s
